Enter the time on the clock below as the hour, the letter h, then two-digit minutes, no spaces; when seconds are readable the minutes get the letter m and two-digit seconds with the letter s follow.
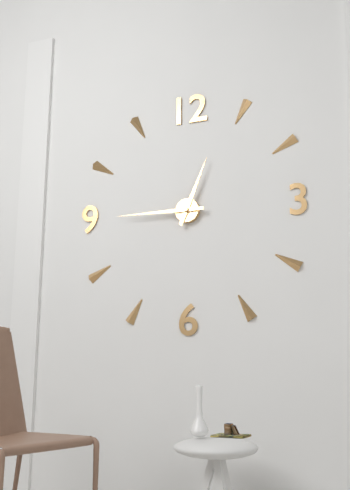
12h45
